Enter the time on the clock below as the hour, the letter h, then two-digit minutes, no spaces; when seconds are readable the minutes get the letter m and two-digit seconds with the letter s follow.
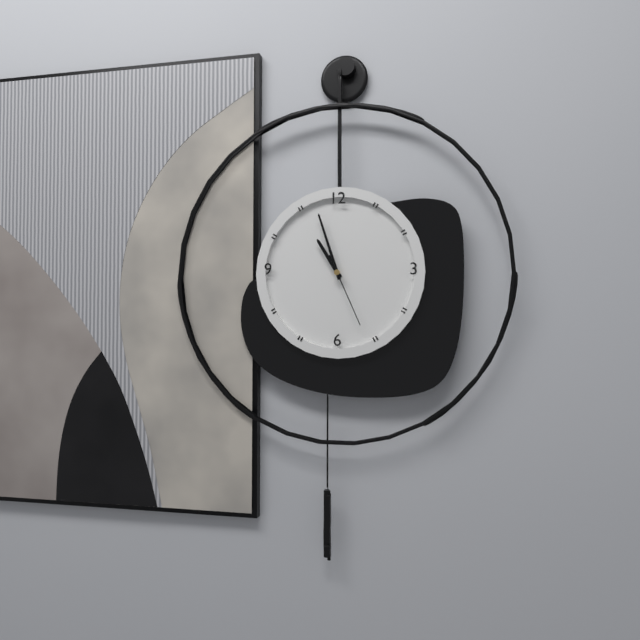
10h57m26s
